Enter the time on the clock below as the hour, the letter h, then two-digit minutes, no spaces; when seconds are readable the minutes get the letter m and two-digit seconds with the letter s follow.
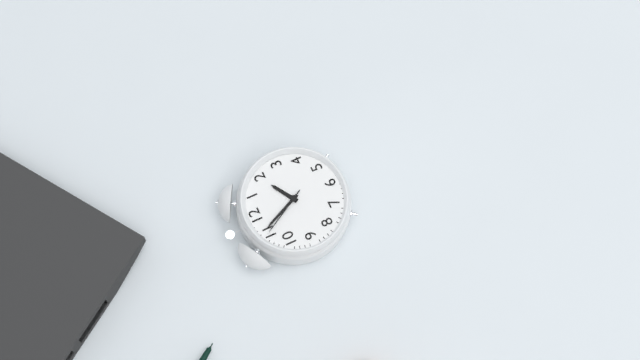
1h56m55s
